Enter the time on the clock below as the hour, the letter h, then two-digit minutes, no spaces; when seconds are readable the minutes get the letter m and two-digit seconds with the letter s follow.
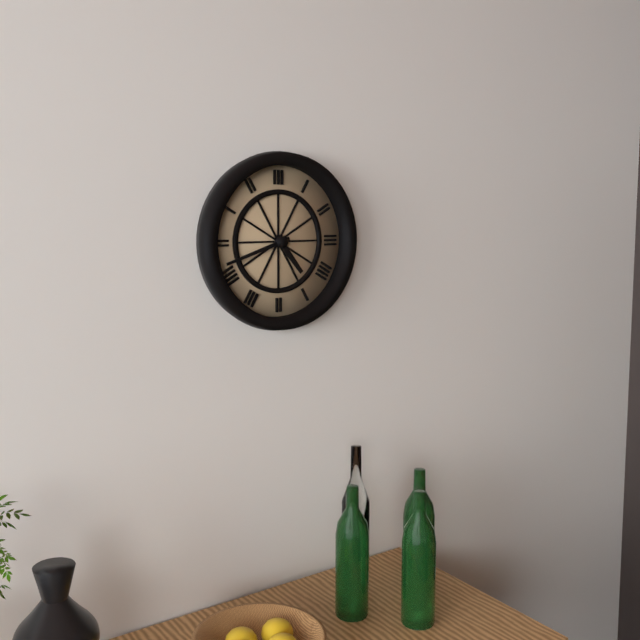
4h42
